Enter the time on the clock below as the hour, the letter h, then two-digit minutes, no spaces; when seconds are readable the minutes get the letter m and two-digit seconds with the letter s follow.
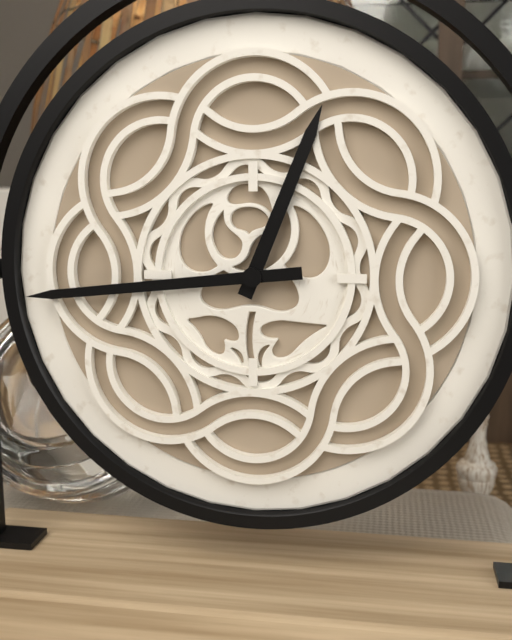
12h44
